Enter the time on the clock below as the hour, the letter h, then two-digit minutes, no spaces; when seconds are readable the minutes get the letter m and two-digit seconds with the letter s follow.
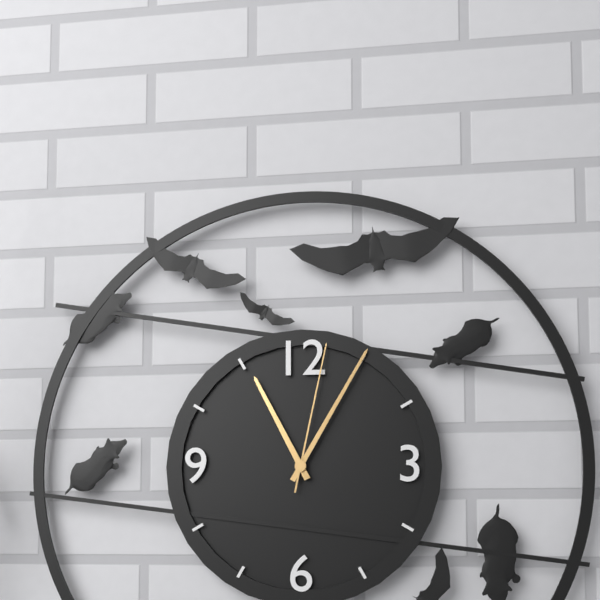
11h05m02s
